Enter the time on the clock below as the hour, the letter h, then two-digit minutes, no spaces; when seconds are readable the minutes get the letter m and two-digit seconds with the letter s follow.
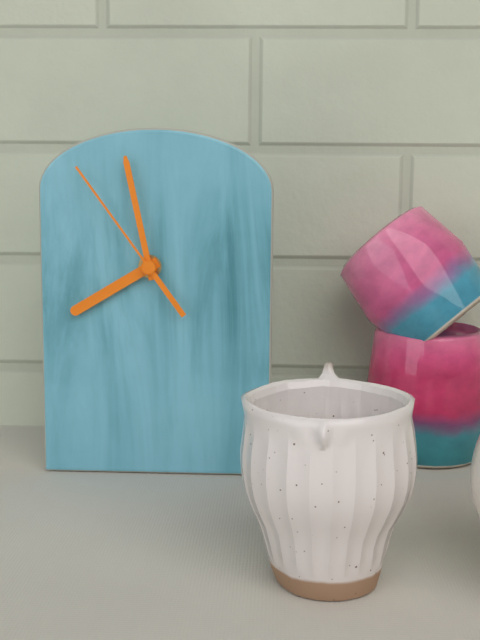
7h58m54s
